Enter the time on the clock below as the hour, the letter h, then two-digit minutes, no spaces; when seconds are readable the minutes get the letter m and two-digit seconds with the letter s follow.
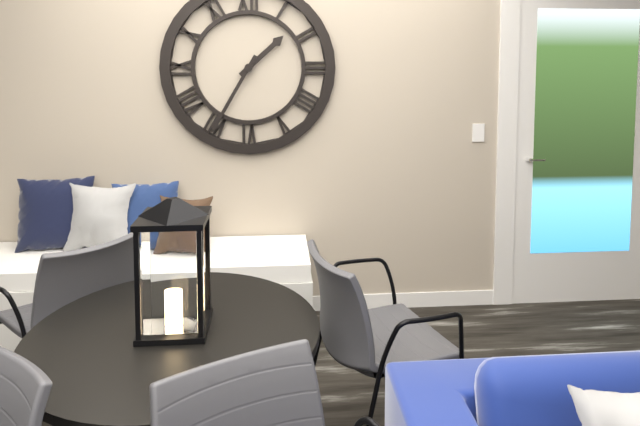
1h35
